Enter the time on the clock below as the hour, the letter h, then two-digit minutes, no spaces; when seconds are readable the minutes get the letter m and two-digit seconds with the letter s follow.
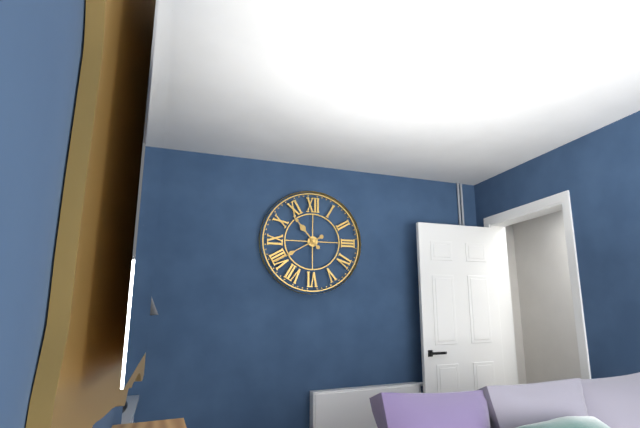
10h40
